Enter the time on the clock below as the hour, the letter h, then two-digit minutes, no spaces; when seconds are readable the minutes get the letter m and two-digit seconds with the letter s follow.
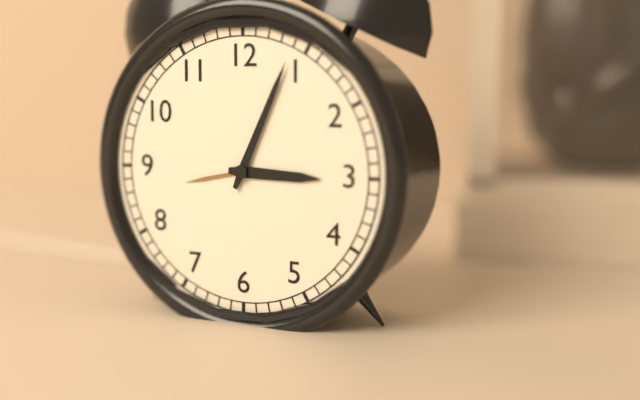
3h04
